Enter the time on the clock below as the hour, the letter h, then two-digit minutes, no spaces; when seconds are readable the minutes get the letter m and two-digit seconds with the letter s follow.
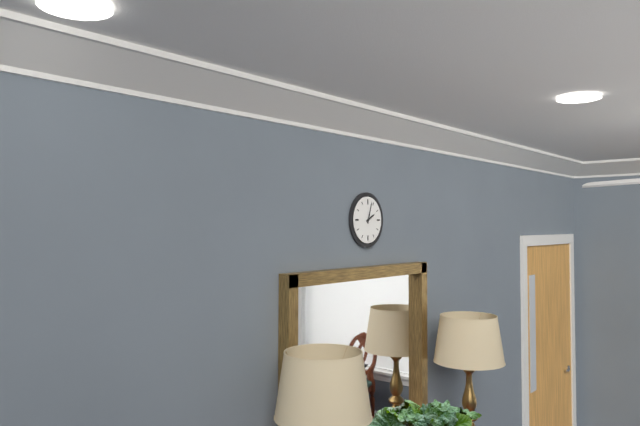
2h03
